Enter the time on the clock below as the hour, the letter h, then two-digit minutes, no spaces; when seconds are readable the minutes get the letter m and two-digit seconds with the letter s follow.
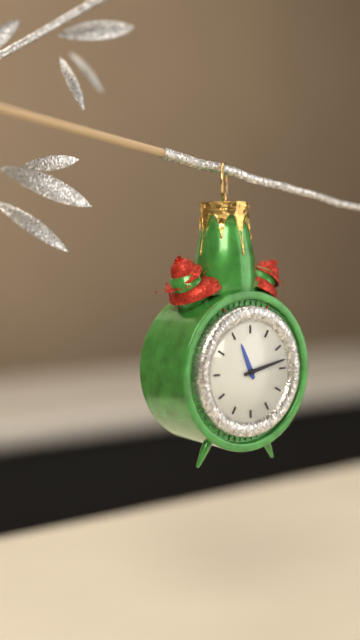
11h13
